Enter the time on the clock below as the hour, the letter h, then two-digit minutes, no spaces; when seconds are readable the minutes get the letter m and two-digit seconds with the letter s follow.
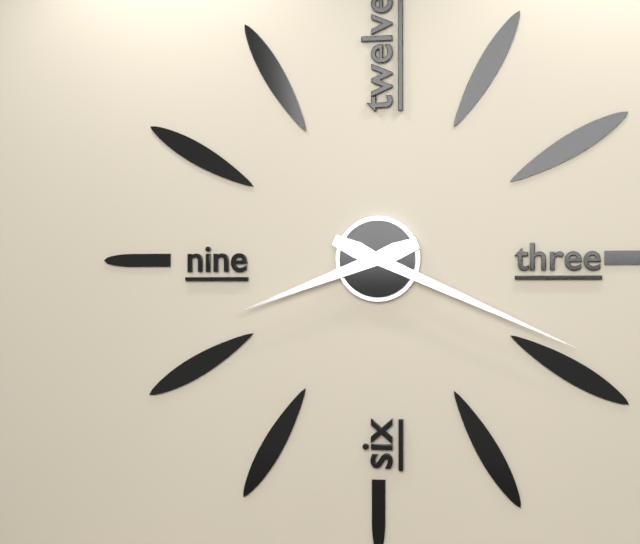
8h19
